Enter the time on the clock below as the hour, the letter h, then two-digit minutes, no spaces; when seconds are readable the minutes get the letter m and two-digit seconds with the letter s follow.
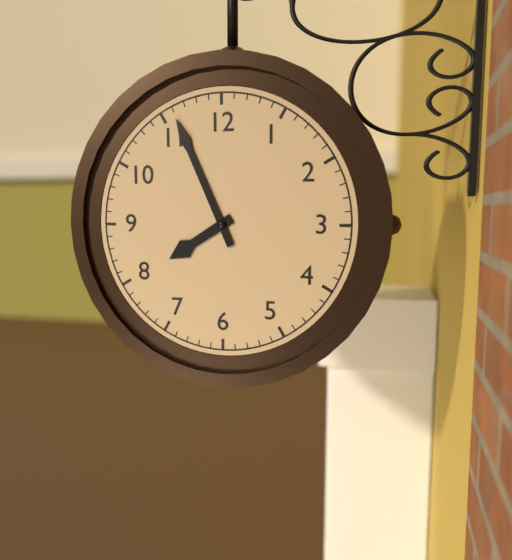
7h56
